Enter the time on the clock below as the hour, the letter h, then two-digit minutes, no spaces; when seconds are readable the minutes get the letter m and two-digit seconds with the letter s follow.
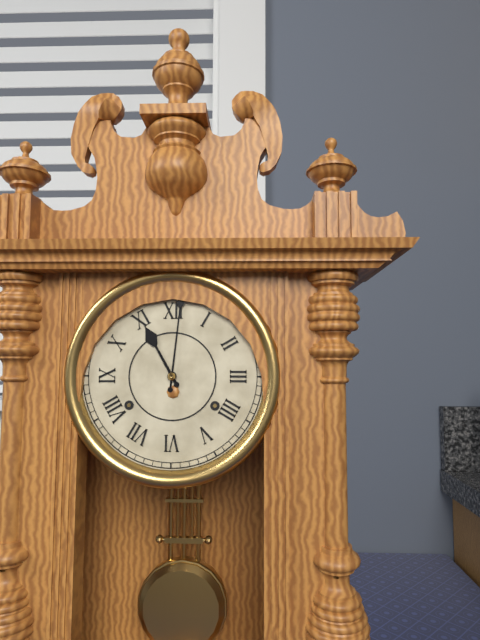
11h01
